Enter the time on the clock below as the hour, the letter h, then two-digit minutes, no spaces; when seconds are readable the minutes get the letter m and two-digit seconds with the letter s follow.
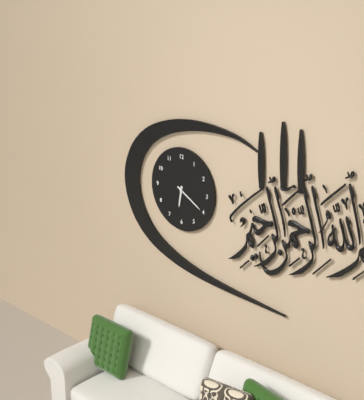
6h20
